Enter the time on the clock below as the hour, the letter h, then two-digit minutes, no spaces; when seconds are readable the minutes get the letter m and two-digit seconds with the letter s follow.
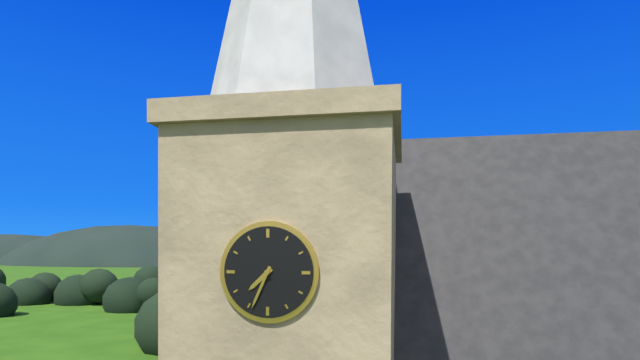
7h34
